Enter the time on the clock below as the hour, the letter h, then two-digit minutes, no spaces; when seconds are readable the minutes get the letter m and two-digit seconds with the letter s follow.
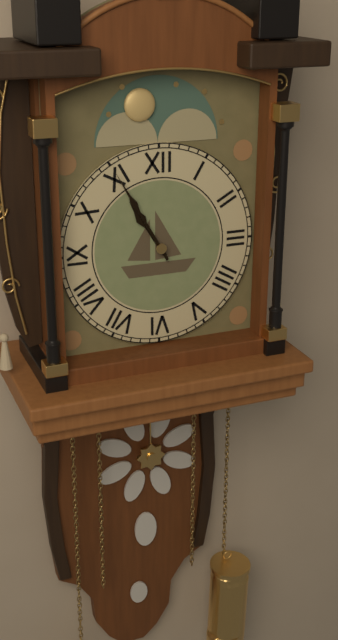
10h55
